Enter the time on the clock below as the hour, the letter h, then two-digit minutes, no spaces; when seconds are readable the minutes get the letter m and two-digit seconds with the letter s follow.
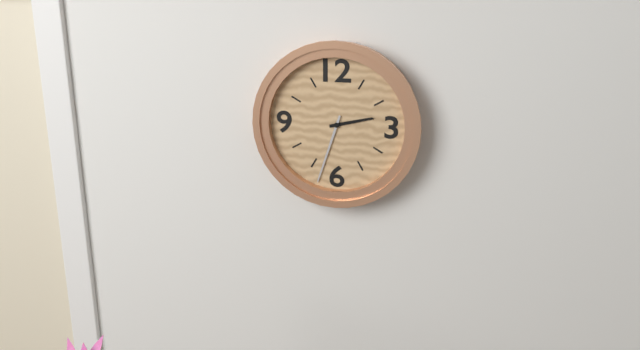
2h33
